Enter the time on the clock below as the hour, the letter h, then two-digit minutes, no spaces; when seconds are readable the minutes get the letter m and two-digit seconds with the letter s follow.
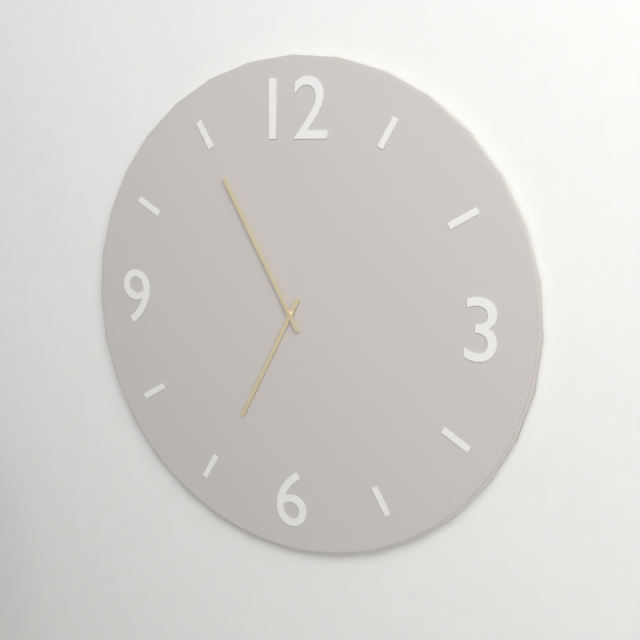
6h55
